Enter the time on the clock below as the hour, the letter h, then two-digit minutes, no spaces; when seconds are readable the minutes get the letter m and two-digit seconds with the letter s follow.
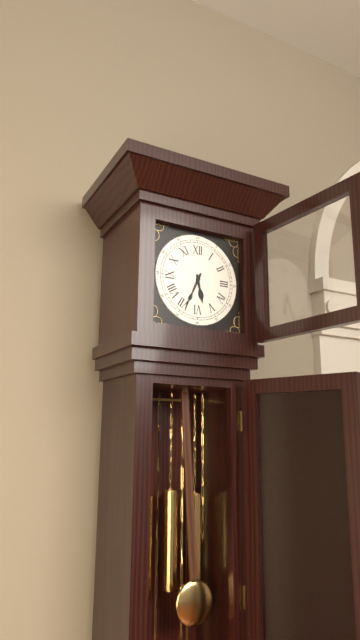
5h34
